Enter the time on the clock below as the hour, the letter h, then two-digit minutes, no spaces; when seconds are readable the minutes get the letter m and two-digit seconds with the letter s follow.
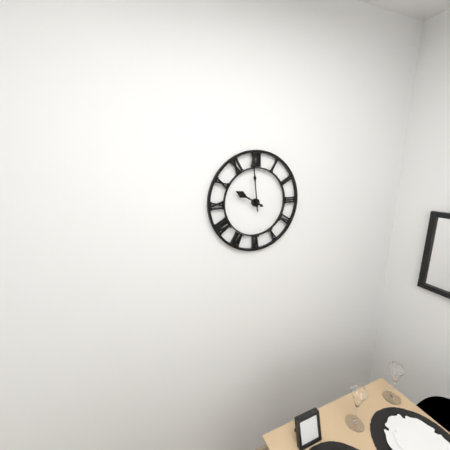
9h59
